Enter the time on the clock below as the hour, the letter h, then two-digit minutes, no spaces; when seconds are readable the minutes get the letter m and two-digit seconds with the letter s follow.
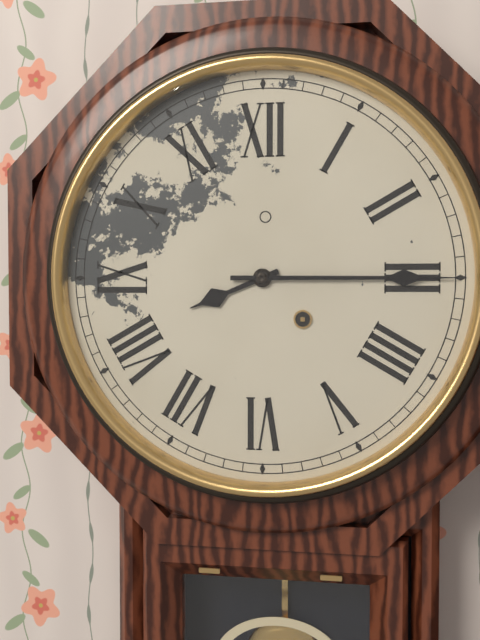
8h15
